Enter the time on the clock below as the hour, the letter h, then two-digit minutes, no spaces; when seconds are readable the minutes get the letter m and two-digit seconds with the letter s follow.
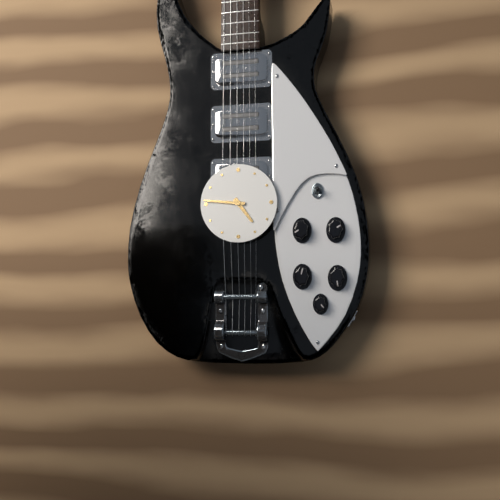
4h46
